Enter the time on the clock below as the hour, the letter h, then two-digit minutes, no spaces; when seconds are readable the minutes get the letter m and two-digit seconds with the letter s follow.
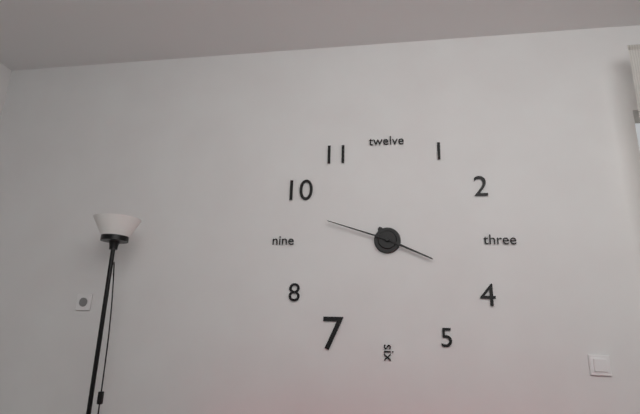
3h48
